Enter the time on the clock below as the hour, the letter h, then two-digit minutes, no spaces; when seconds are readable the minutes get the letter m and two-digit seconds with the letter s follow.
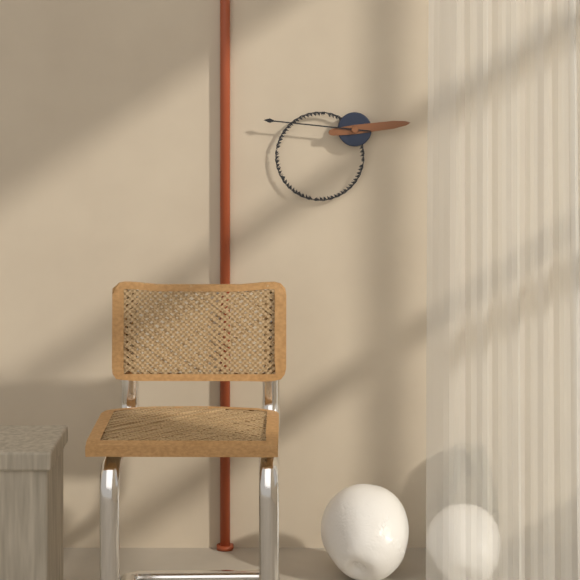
2h46
